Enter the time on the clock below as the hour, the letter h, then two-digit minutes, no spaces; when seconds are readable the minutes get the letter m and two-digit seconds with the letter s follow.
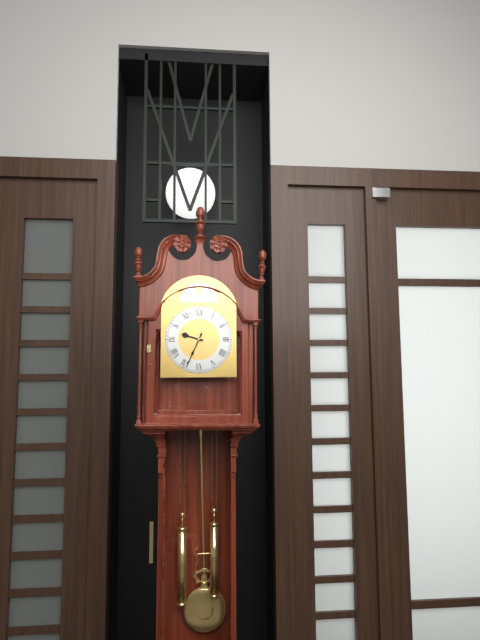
9h34
